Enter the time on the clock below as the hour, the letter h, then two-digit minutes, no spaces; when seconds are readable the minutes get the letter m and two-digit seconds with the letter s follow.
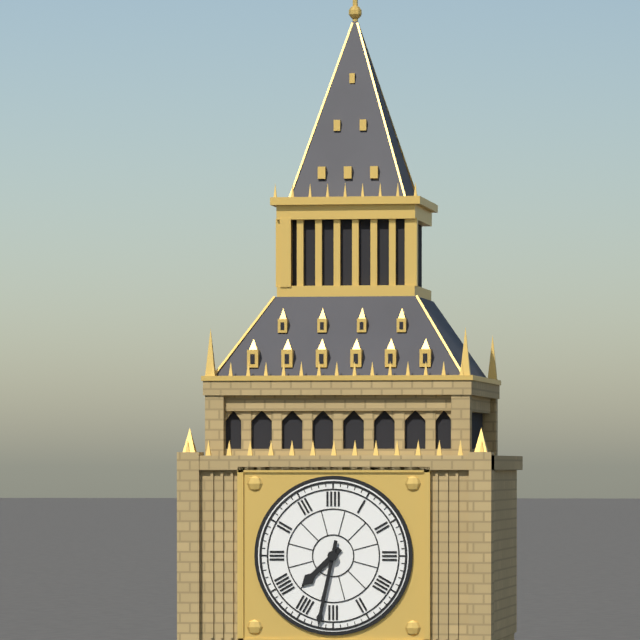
7h32
